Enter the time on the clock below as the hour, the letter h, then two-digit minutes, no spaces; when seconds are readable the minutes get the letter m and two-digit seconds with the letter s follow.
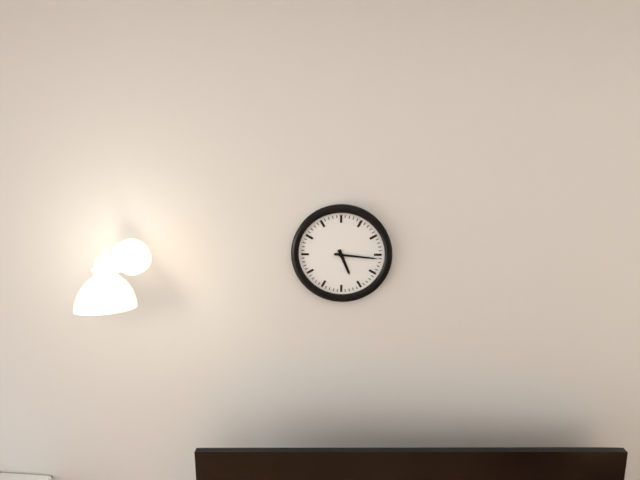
5h16
